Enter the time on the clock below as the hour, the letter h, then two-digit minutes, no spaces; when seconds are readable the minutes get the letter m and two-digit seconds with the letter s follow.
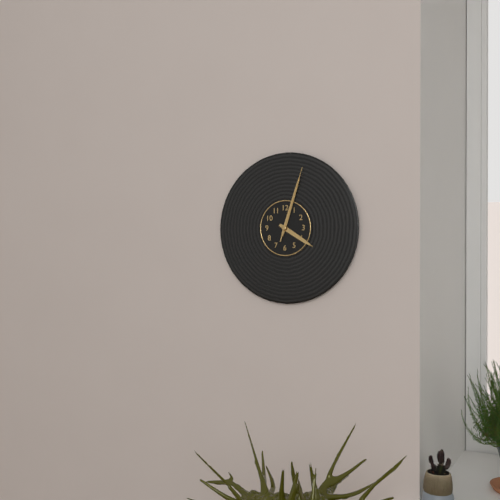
4h03m03s
